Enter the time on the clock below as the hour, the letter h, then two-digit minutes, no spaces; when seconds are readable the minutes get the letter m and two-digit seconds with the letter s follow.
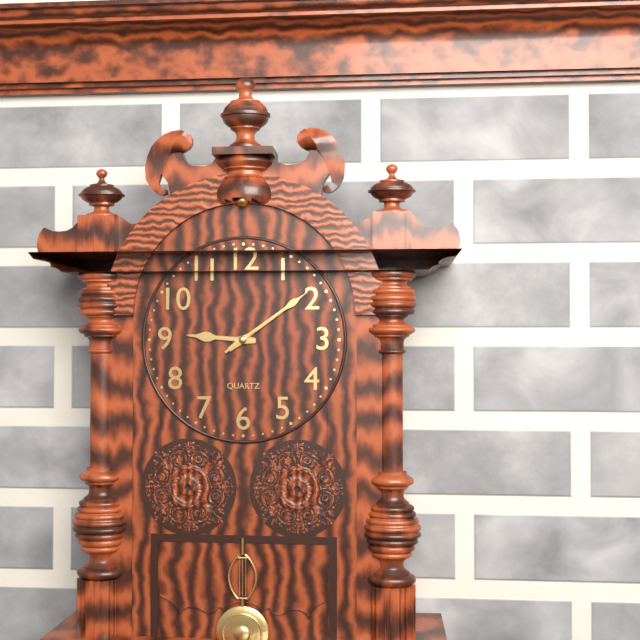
9h09m09s
